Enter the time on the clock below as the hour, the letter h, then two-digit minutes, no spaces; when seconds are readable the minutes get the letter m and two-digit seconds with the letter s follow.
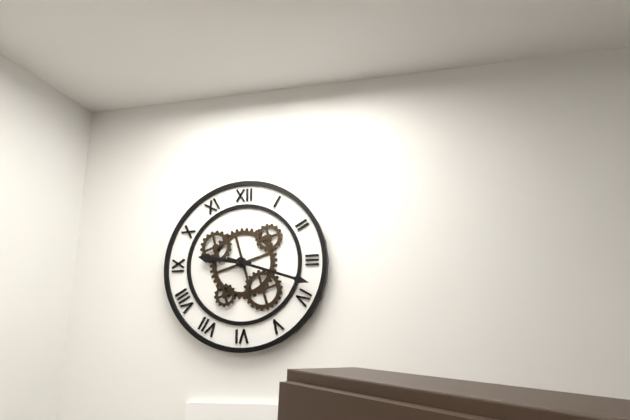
9h18
